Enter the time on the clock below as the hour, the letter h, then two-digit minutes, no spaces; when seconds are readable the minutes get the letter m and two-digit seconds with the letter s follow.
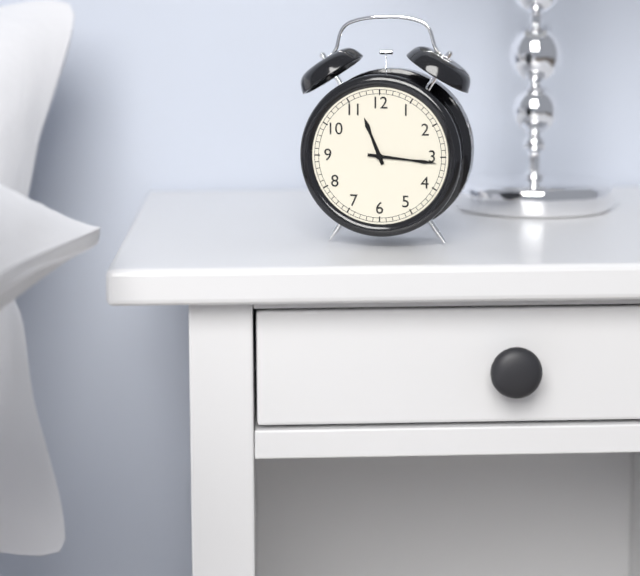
11h16
